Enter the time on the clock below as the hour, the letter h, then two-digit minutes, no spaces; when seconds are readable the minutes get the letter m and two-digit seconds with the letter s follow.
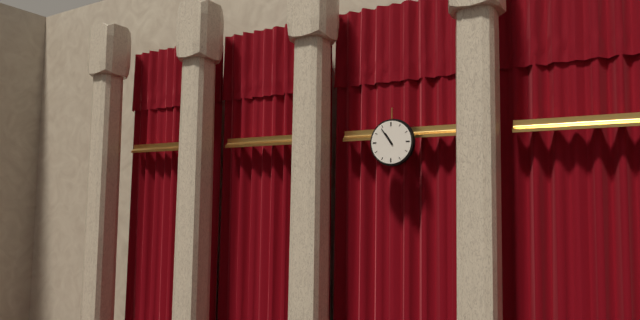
10h54
